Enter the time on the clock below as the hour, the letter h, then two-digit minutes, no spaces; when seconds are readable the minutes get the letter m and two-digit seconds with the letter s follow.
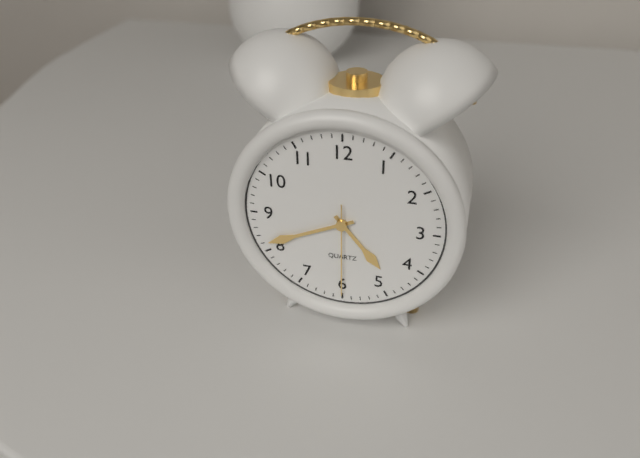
4h41m30s
